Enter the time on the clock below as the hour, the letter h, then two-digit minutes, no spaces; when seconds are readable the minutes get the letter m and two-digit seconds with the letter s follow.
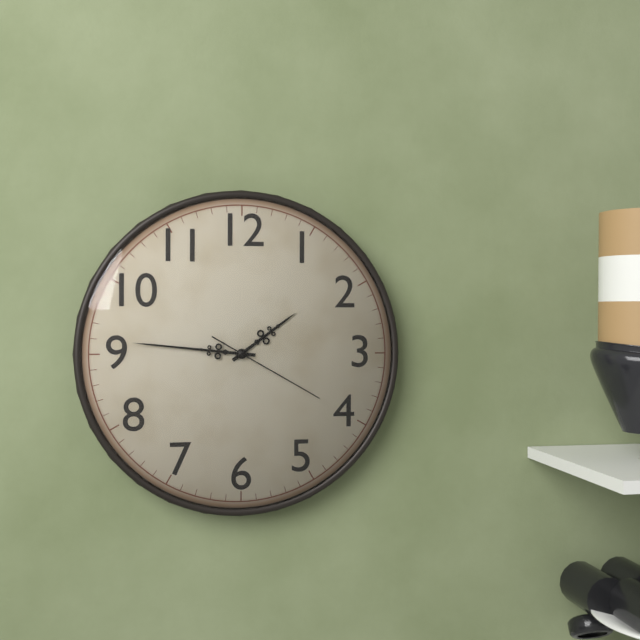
1h46m20s
